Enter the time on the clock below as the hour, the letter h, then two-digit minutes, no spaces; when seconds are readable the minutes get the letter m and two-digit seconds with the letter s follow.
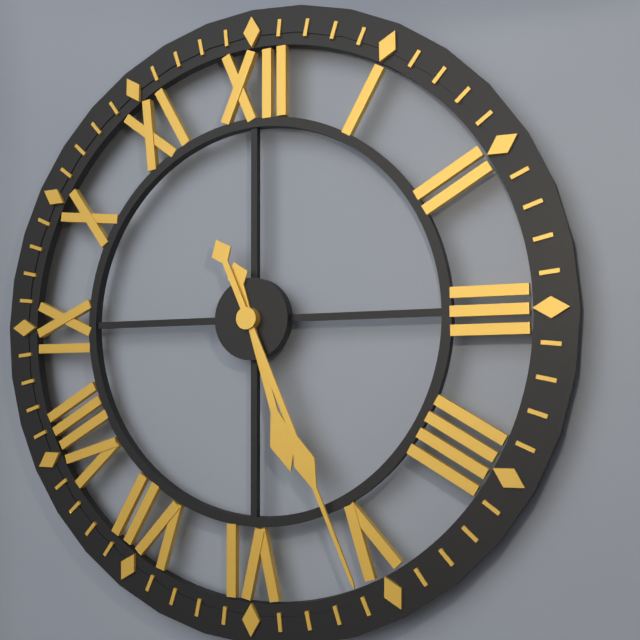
5h26
